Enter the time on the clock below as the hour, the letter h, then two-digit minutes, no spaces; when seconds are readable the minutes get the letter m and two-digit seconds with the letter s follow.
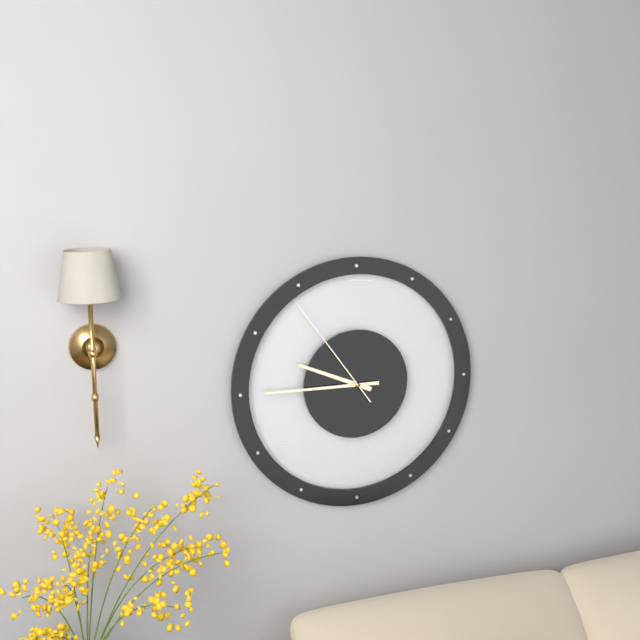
9h45m54s
